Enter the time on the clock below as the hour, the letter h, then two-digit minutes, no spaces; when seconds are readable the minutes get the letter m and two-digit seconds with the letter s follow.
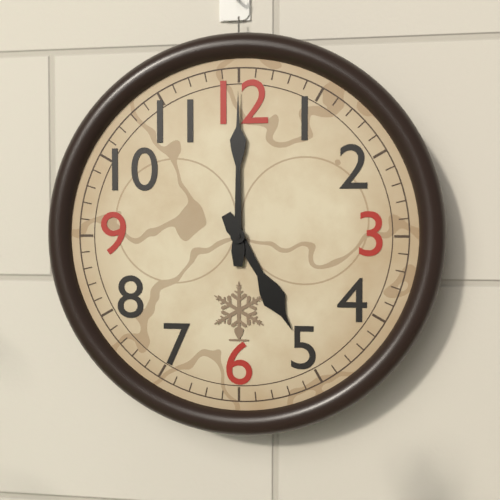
5h00
